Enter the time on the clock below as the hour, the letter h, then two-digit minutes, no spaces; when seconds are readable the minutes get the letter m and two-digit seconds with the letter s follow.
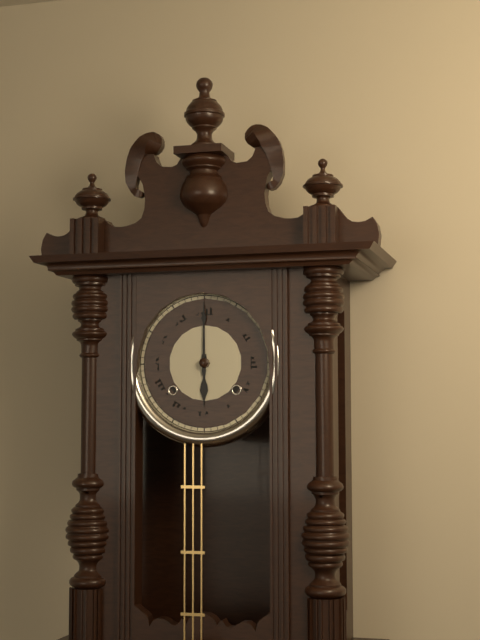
6h00
